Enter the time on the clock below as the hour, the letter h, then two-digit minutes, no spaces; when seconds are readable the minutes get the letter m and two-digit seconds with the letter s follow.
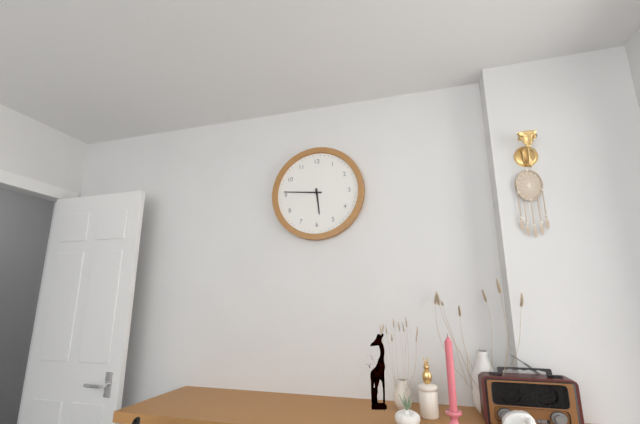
5h46
